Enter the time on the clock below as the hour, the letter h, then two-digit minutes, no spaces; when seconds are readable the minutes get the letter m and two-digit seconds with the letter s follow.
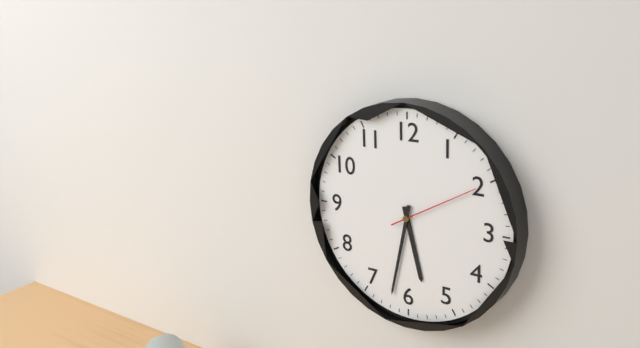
5h32m10s
